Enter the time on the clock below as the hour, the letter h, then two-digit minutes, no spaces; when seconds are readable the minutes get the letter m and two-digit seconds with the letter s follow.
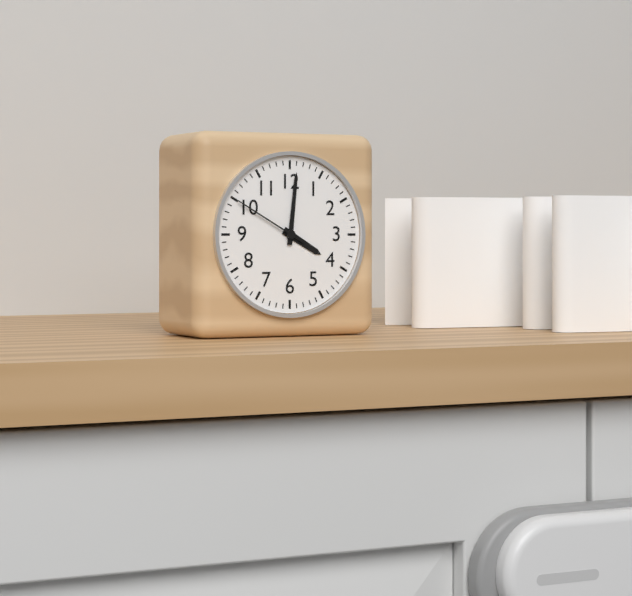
4h01m50s
